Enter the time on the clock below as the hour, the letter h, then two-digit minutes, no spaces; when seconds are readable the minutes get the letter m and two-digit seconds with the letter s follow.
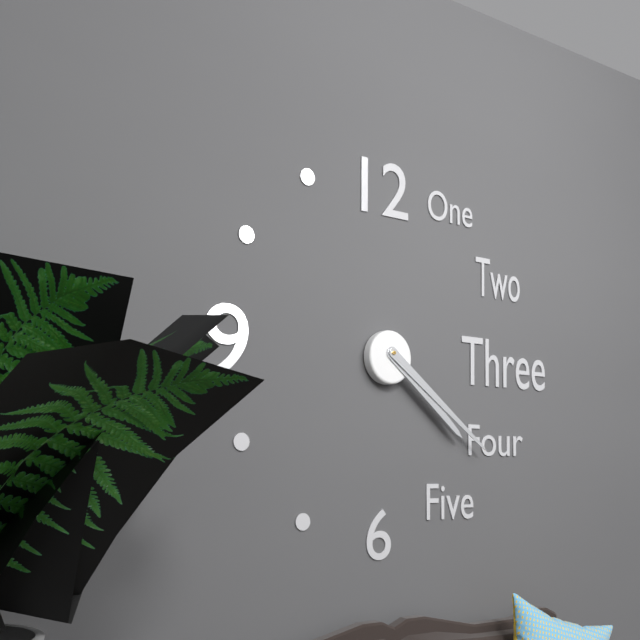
4h21
